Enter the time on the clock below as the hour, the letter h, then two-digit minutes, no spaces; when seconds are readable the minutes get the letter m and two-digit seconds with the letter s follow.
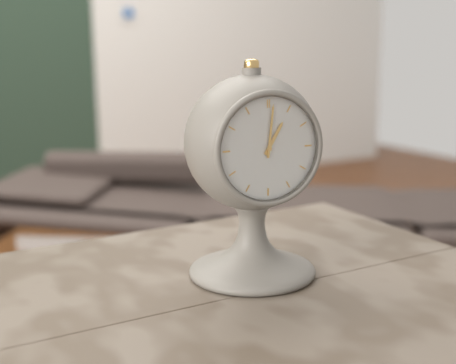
1h01
